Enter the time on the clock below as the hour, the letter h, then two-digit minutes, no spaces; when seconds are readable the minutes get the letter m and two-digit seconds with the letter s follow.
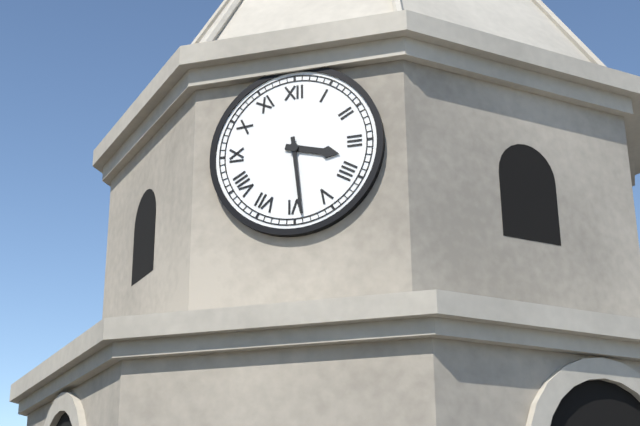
3h29
